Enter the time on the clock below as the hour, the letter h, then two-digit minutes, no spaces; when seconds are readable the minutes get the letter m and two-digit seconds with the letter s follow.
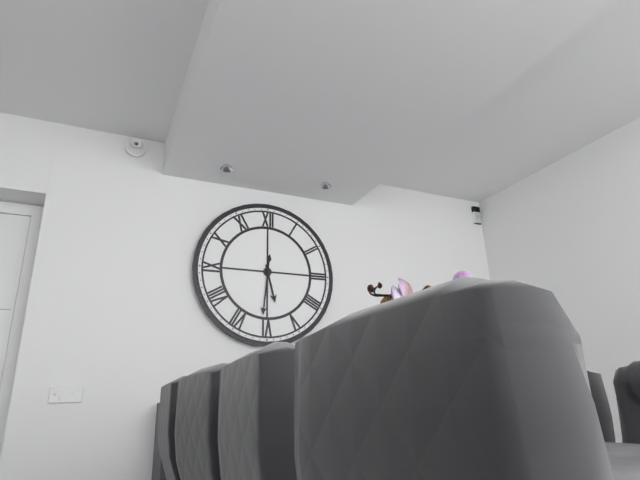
5h31
